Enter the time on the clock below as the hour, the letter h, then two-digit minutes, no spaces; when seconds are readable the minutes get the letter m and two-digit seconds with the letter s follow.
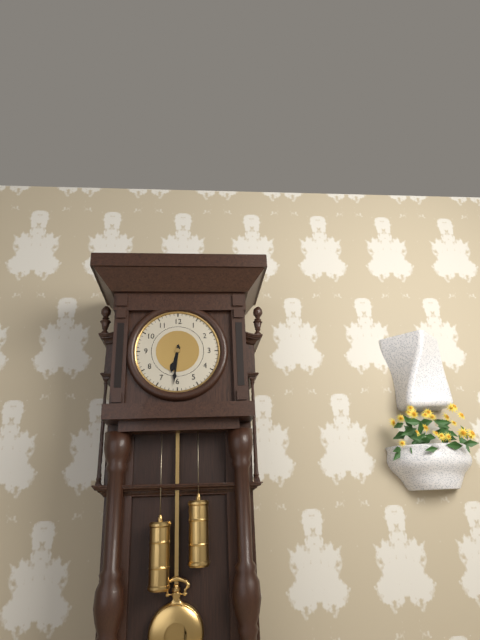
6h31
